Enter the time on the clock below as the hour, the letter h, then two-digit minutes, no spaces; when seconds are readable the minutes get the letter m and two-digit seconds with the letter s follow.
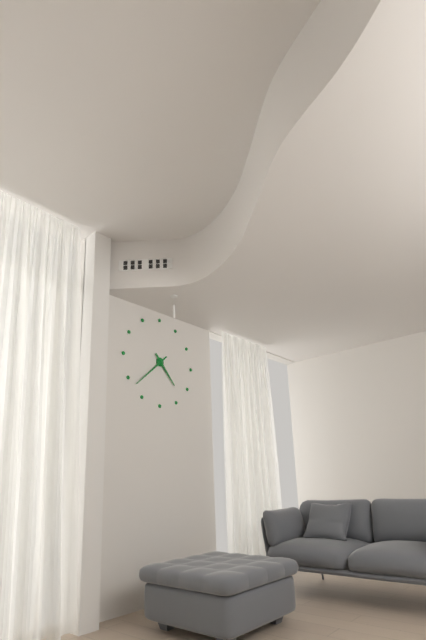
4h38
